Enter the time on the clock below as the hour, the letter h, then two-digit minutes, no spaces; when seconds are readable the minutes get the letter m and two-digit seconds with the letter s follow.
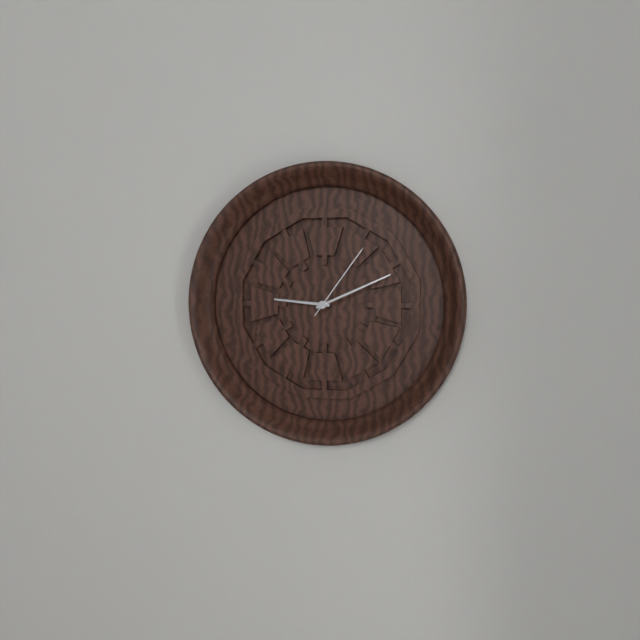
9h11m06s
